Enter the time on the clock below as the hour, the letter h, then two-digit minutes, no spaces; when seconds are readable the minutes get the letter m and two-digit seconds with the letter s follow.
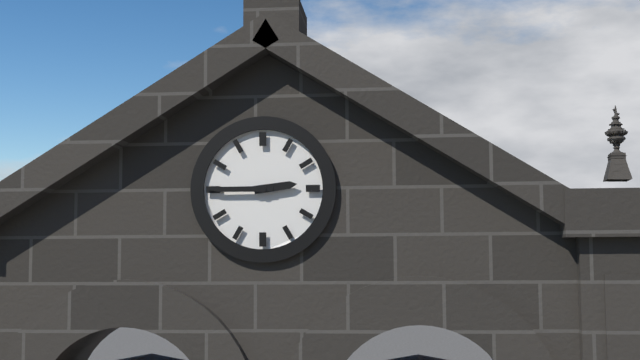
2h45
